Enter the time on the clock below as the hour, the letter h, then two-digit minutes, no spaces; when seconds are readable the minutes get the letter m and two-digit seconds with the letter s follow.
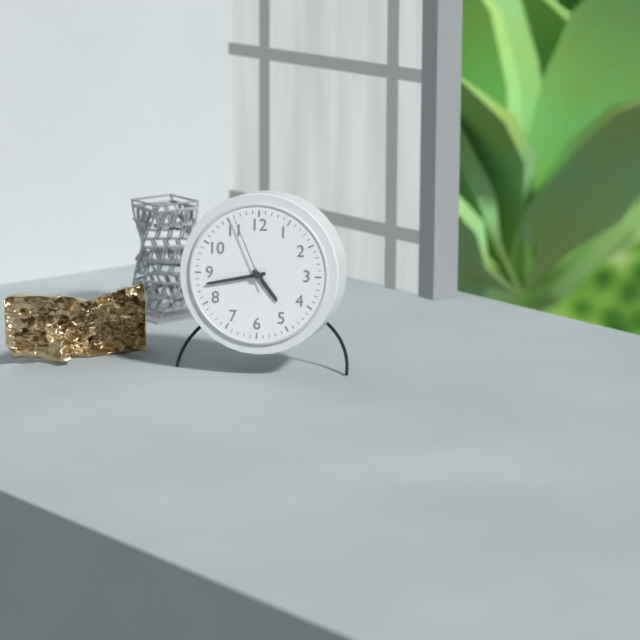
4h43m56s
